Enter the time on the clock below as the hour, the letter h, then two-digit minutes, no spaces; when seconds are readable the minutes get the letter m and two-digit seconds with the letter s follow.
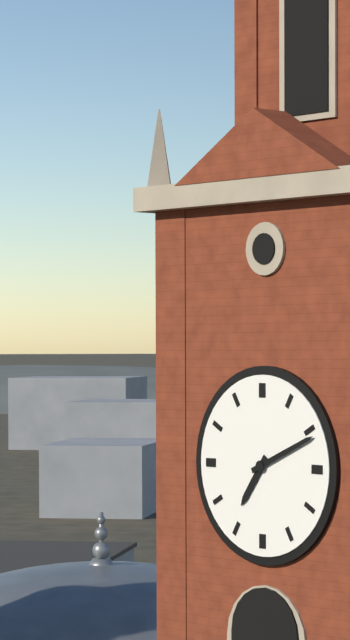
7h11
